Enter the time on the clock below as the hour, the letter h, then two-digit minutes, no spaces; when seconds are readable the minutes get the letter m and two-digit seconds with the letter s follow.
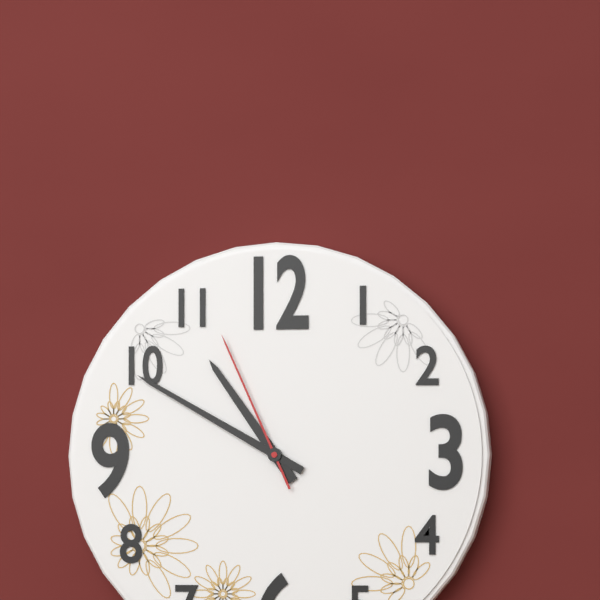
10h50m56s
